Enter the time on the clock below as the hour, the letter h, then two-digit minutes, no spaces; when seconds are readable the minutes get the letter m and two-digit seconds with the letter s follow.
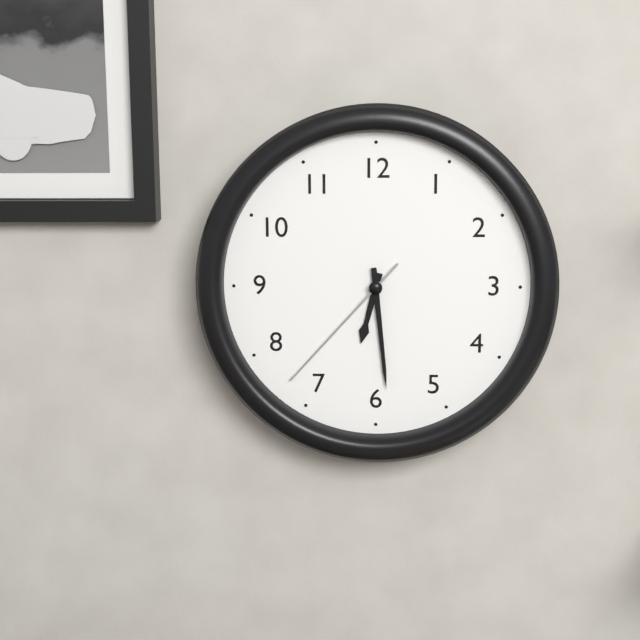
6h29m37s
